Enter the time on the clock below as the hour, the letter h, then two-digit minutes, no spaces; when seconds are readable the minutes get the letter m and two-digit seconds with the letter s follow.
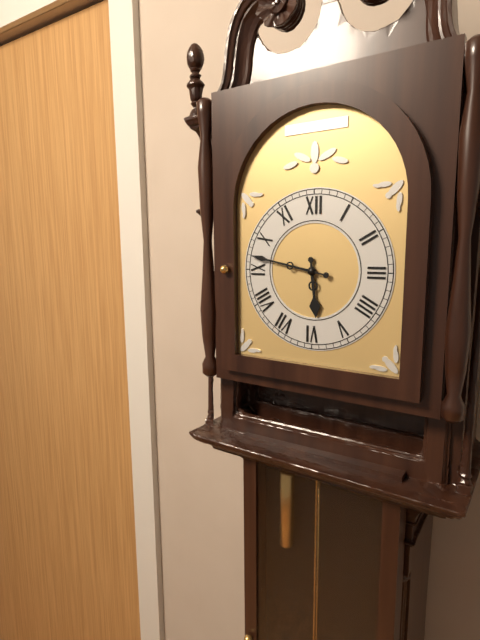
5h47
